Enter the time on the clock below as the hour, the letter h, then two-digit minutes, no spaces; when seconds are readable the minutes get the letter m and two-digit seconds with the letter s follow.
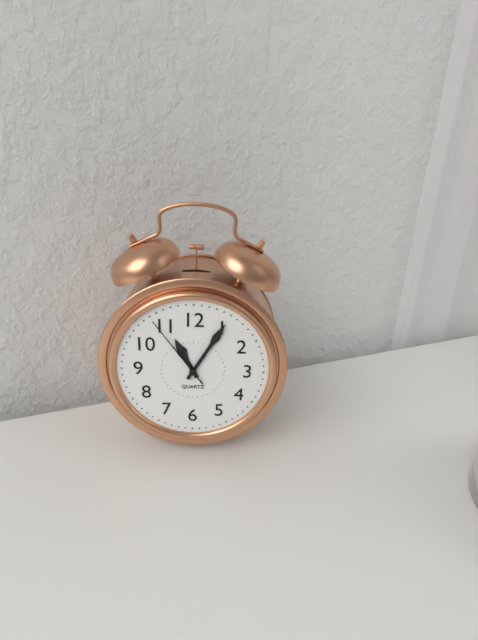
11h05m54s
